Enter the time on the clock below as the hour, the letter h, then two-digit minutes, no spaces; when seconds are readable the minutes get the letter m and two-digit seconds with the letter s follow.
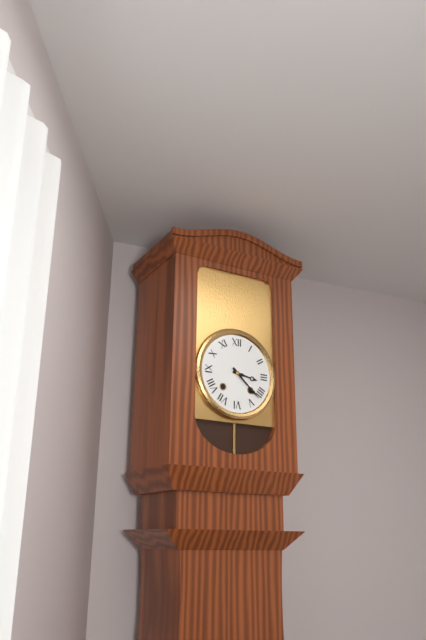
3h22
